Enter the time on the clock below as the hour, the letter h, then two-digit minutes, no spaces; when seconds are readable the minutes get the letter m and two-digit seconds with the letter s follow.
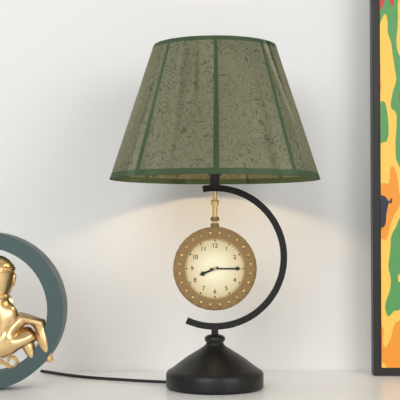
8h15
